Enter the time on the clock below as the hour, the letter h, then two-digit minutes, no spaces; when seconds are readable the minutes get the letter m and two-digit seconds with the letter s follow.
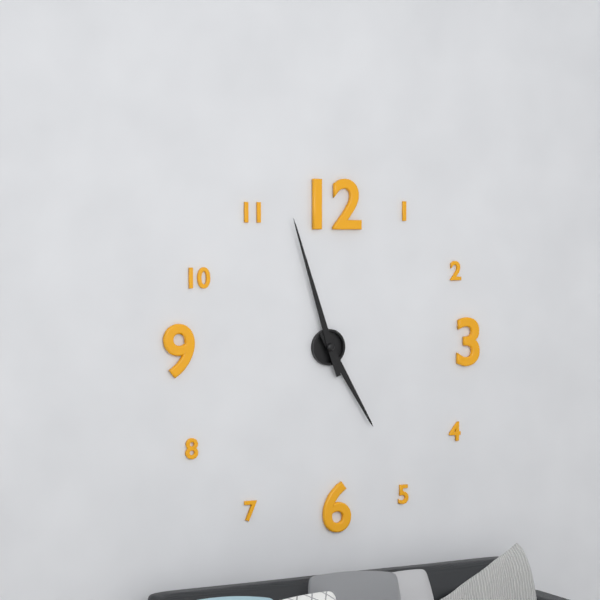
4h57
